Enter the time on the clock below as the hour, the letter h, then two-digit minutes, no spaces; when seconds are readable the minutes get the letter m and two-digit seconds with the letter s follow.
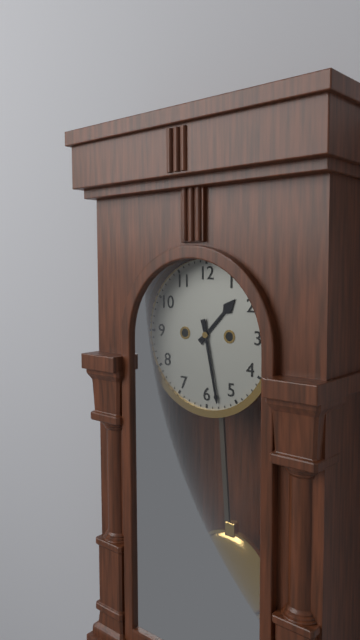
1h28
